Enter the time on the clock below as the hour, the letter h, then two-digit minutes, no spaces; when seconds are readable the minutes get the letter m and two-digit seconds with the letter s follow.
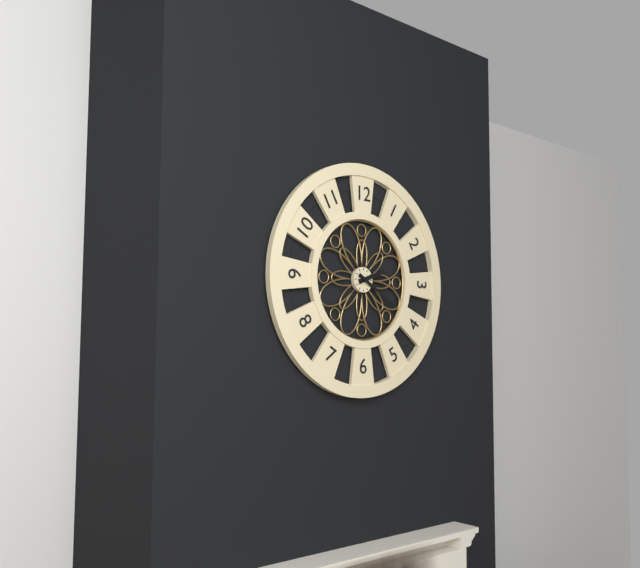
2h20
